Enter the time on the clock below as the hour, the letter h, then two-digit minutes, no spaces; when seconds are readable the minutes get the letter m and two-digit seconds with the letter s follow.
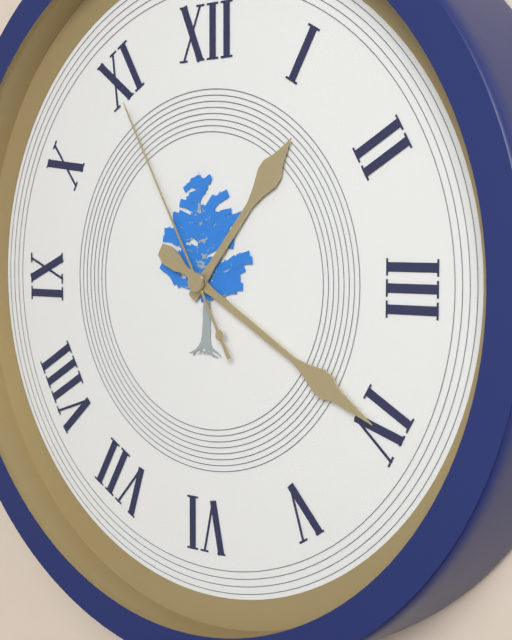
1h20m55s
